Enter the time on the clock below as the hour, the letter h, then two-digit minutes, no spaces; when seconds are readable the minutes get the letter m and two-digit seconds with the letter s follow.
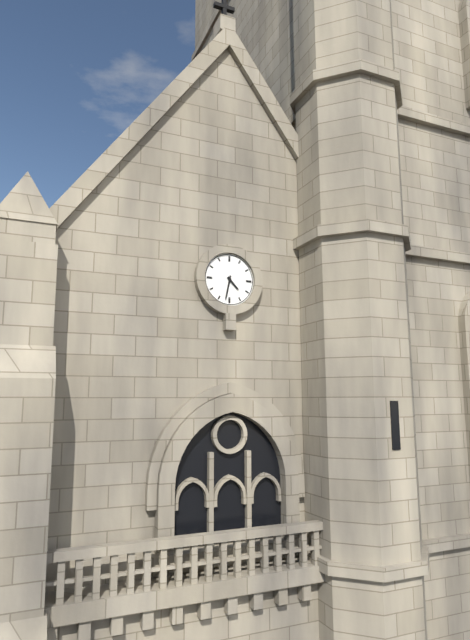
4h32
